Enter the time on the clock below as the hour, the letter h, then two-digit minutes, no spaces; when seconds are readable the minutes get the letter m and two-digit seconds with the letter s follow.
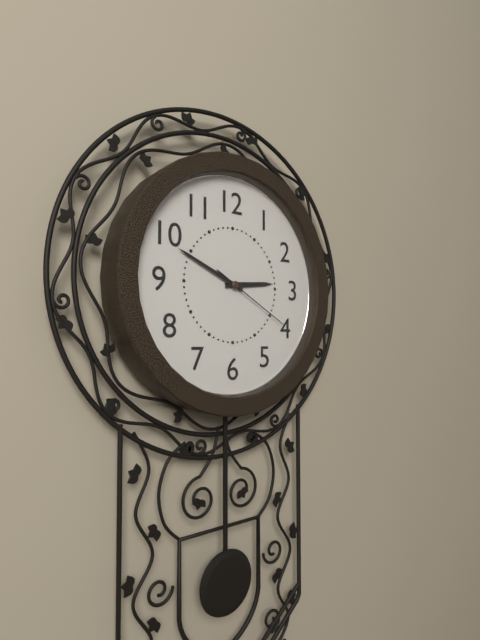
2h49m20s
